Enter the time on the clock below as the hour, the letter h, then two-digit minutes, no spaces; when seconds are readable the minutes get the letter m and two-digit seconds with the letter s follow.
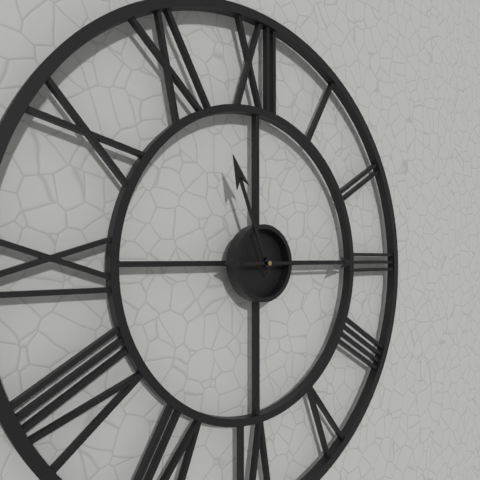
11h15
